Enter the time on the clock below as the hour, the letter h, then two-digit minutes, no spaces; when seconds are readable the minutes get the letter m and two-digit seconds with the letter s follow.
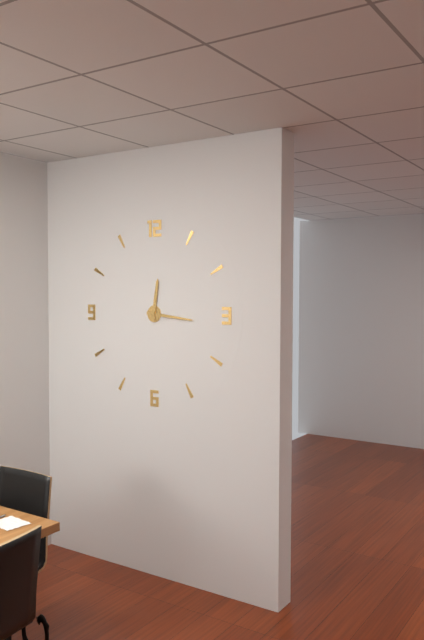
12h16
